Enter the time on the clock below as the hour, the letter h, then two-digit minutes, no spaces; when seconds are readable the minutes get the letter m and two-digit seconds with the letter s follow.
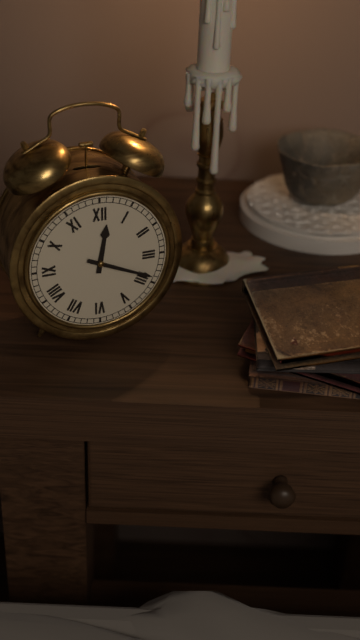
12h19
